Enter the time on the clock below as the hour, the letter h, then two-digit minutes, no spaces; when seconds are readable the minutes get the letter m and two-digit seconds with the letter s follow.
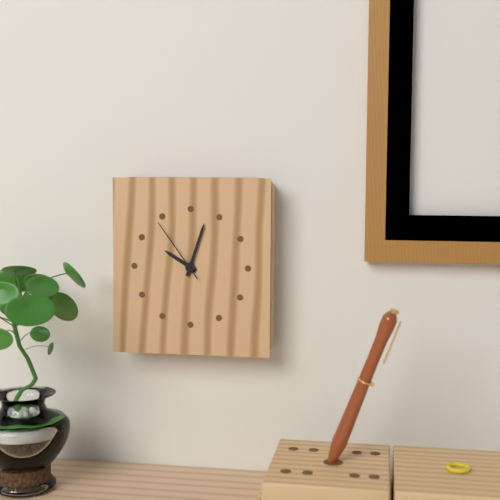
10h03m54s
